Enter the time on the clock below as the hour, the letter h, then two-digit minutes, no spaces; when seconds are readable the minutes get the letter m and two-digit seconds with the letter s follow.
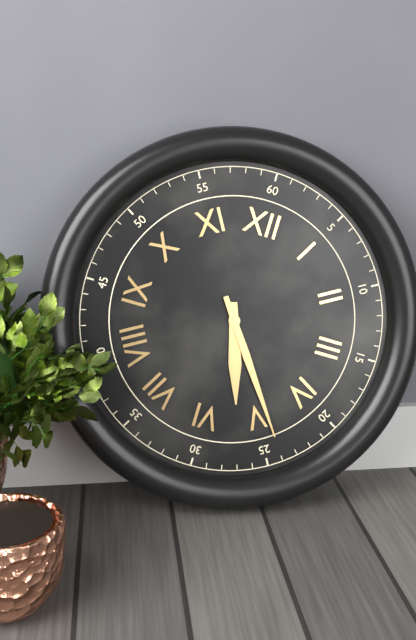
5h24
